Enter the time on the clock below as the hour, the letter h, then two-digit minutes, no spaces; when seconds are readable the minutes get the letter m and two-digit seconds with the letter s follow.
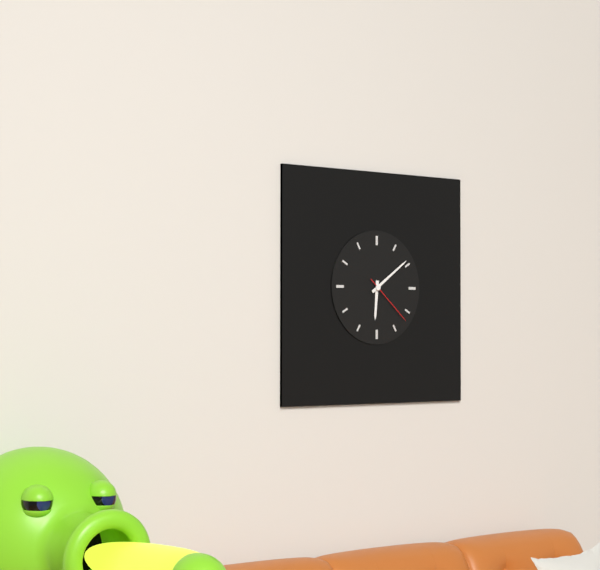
6h09m22s
